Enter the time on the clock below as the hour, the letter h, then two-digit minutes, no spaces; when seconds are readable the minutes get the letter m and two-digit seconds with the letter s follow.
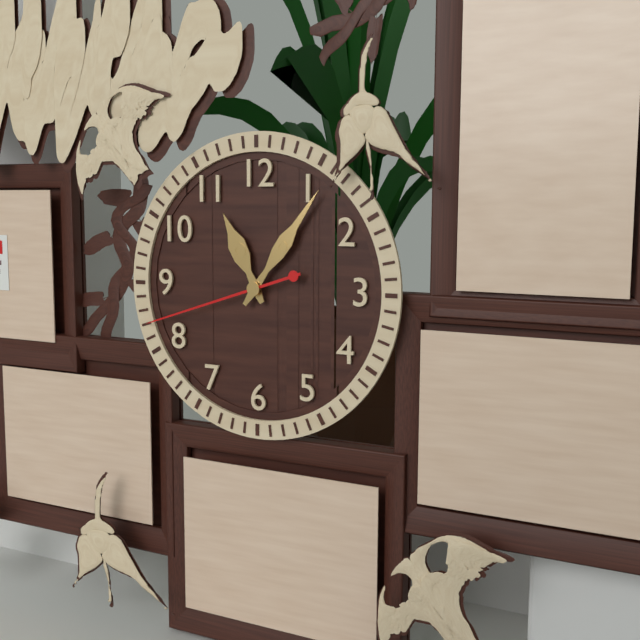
11h06m42s
